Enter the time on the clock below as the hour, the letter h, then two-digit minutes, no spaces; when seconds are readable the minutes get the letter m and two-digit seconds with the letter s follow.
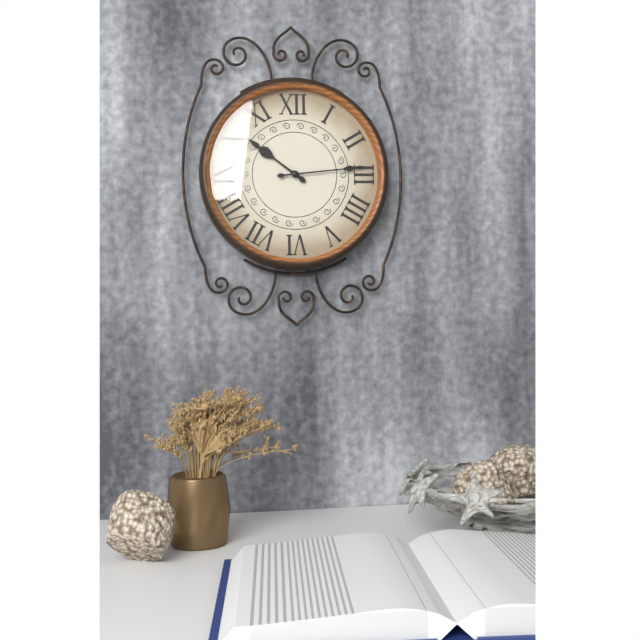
10h14
